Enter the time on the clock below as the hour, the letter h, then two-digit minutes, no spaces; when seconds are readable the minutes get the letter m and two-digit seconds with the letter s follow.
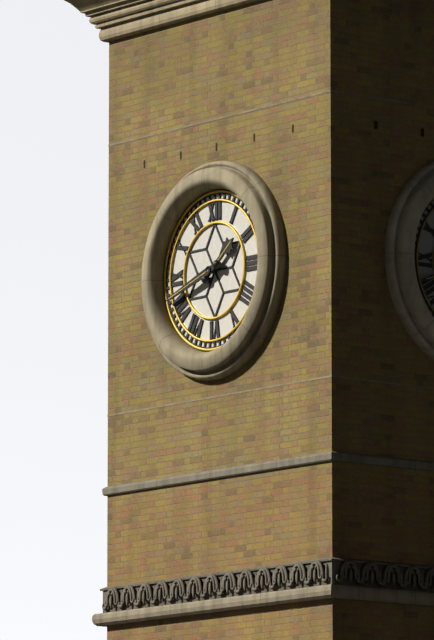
1h42
